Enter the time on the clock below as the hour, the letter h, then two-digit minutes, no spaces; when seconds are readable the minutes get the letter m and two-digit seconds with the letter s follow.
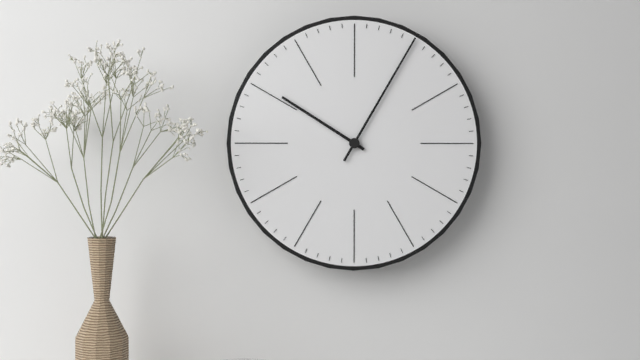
10h05
